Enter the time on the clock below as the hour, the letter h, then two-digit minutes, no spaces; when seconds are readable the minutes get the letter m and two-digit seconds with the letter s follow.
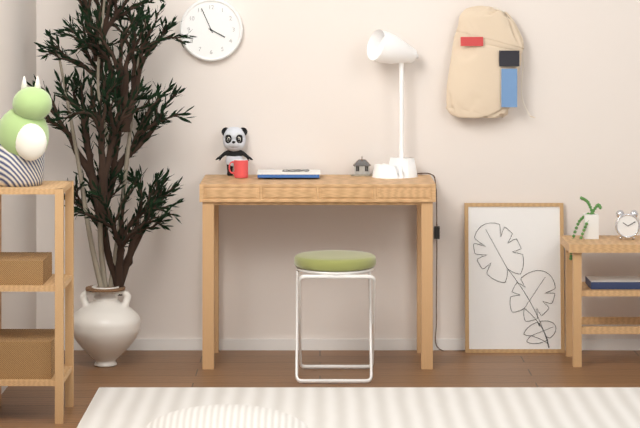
3h56
